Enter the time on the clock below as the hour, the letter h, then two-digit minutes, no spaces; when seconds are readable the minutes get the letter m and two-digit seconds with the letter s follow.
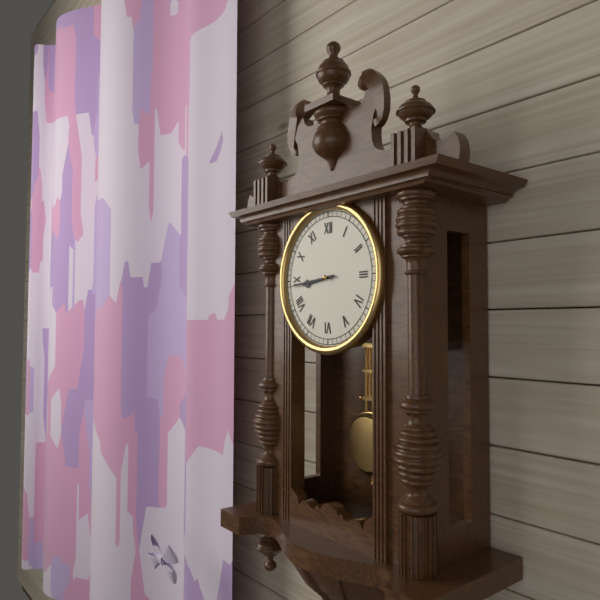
8h44
